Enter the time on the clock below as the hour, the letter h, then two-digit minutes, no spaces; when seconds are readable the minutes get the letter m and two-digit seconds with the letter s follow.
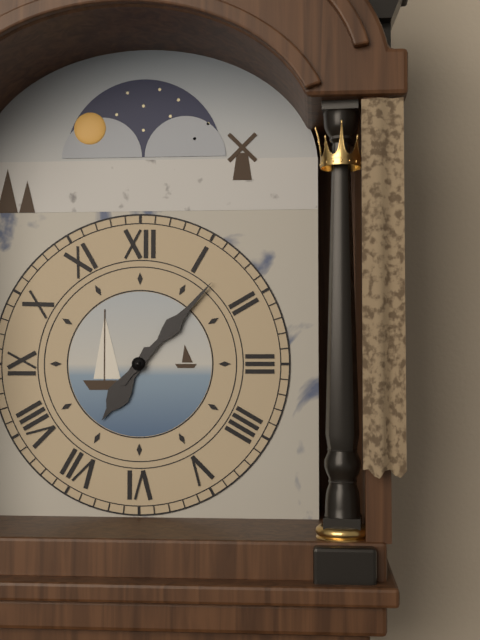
7h07
